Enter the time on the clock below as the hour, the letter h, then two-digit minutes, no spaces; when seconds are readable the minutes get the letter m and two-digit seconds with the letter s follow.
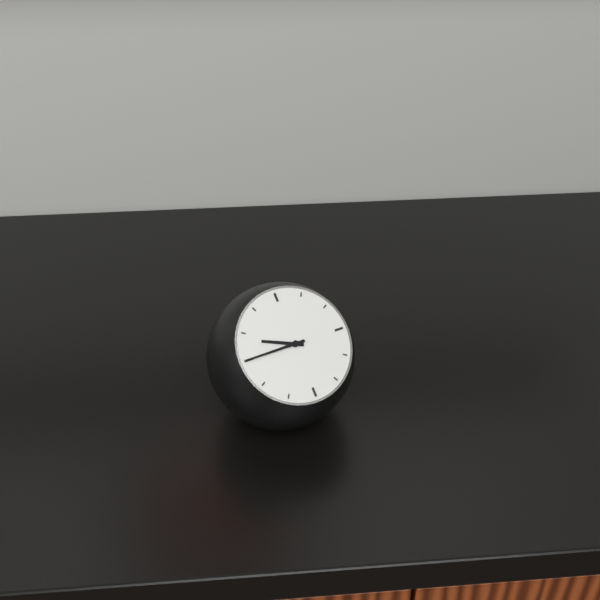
9h45
